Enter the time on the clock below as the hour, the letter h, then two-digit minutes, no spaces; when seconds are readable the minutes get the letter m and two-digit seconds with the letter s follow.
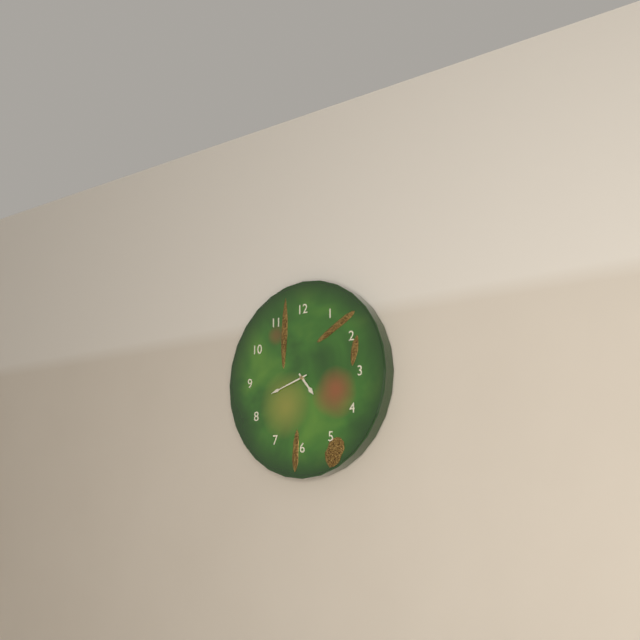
4h42
